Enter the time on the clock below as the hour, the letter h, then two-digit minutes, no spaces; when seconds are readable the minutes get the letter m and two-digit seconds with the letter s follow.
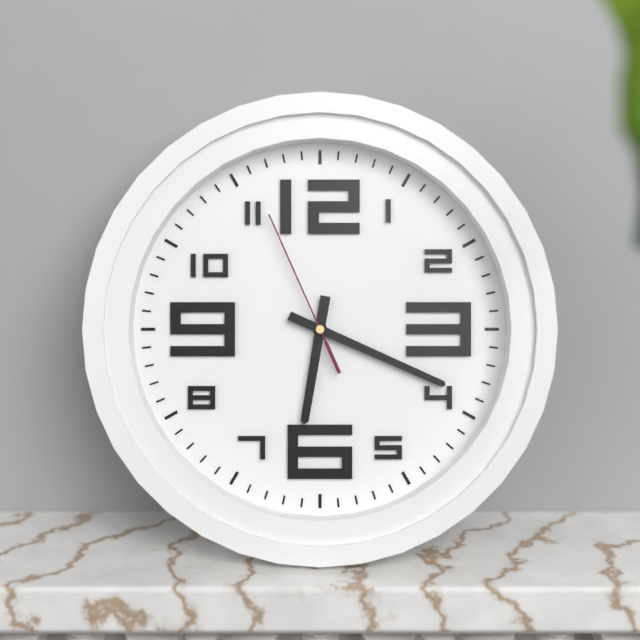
6h19m56s
